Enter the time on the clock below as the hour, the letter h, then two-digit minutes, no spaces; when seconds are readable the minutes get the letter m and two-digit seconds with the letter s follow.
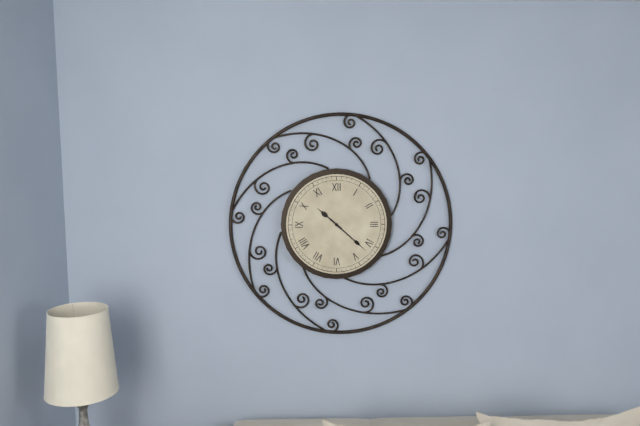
10h22
